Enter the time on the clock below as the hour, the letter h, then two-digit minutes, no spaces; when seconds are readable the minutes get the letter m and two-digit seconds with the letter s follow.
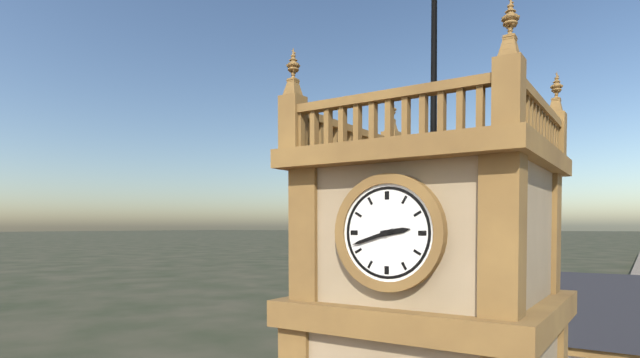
2h42
